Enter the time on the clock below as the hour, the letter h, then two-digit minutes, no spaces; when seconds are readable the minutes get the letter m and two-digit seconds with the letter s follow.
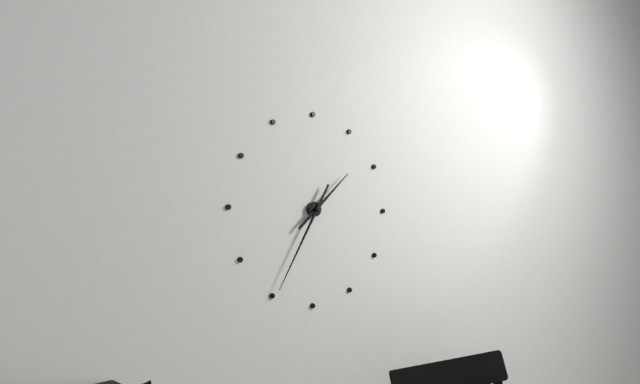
1h35
